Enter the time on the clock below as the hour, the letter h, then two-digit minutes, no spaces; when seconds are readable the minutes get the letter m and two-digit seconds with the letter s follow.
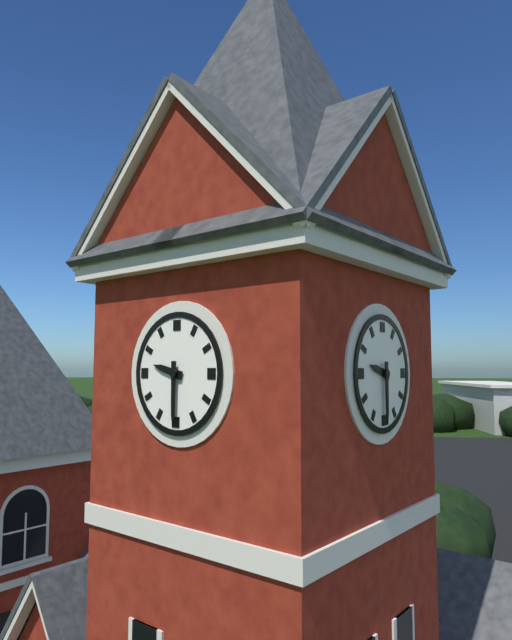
9h30
